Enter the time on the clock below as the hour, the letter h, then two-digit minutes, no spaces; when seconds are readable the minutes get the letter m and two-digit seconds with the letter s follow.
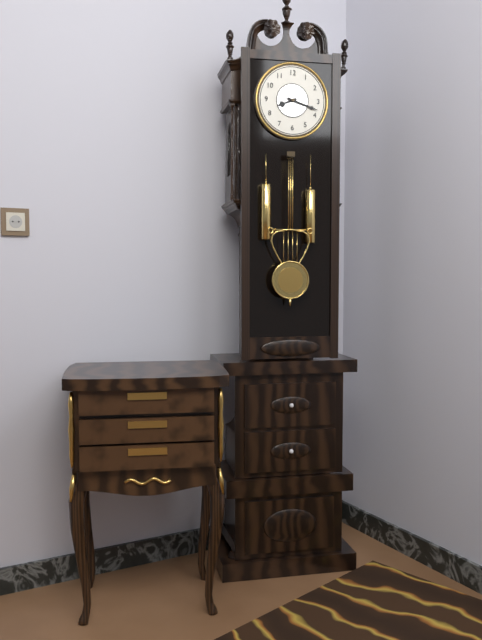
8h18
